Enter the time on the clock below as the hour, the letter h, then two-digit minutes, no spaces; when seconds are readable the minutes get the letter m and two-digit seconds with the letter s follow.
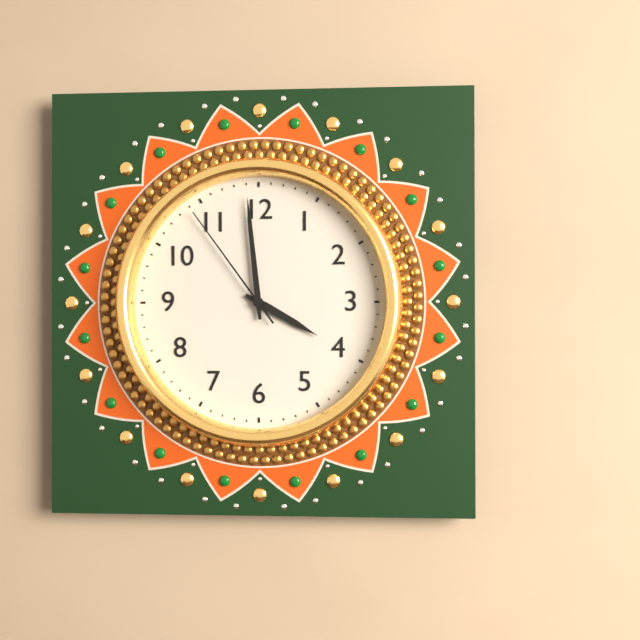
3h59m54s
